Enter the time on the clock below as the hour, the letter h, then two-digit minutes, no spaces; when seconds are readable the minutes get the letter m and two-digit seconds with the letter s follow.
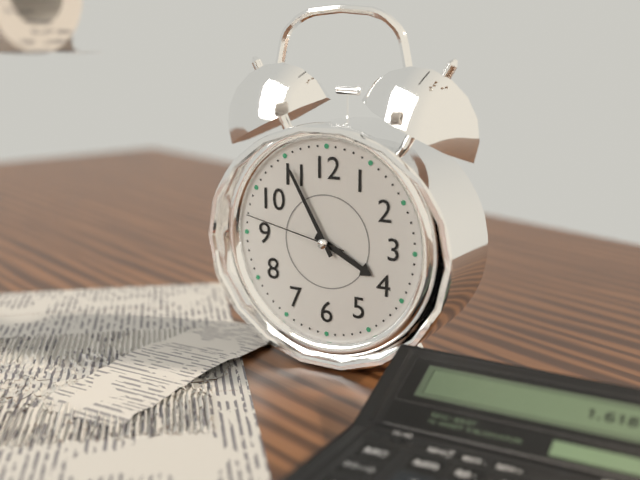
3h55m47s
